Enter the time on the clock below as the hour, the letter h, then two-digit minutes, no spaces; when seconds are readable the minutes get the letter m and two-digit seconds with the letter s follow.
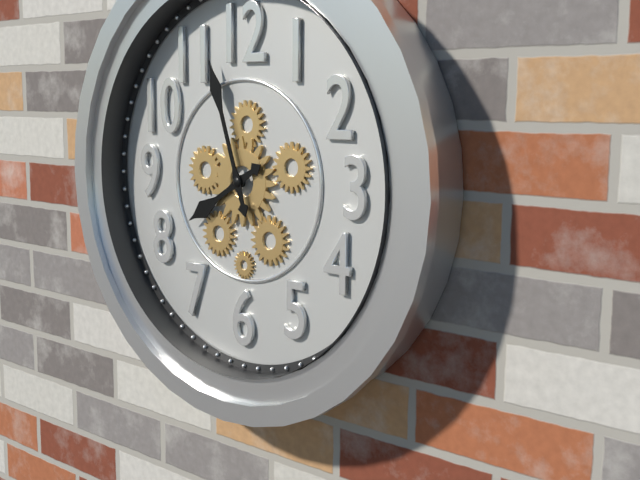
7h57
